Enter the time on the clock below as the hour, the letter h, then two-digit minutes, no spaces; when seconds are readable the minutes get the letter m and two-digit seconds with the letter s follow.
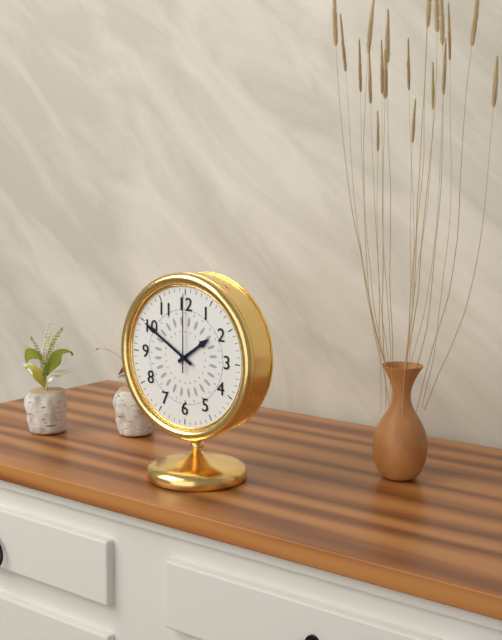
1h50m00s
